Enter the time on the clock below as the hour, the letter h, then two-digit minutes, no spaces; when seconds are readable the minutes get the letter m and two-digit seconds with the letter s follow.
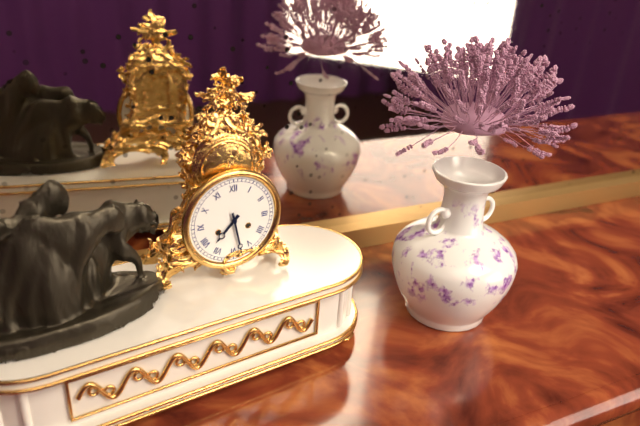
7h28
